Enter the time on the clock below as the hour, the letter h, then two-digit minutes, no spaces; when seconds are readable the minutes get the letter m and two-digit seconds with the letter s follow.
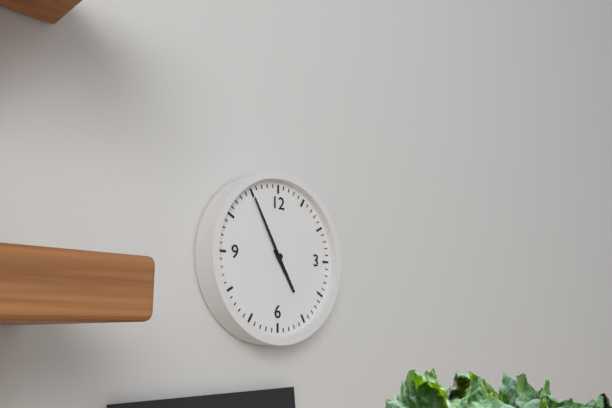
4h55
